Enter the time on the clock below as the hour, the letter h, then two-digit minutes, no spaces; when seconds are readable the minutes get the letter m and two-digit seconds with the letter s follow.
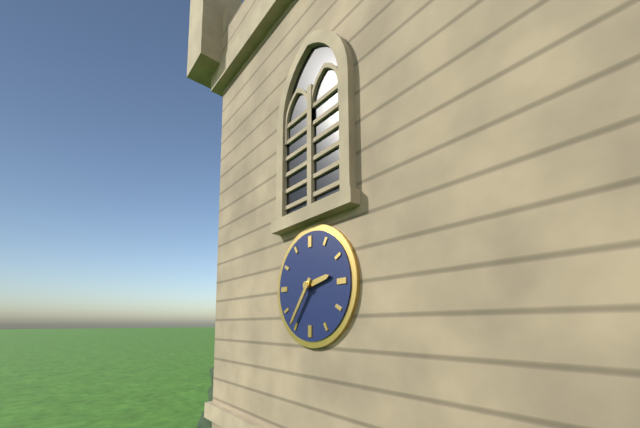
2h36
